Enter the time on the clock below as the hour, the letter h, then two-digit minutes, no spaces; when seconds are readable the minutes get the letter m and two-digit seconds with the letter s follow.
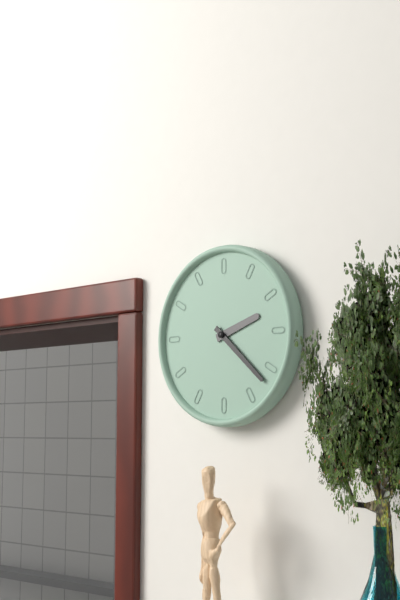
2h22
